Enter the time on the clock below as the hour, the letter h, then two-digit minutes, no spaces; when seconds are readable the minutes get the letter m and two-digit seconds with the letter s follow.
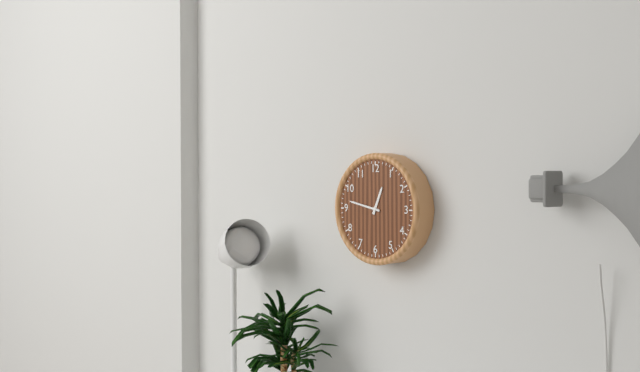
12h47
